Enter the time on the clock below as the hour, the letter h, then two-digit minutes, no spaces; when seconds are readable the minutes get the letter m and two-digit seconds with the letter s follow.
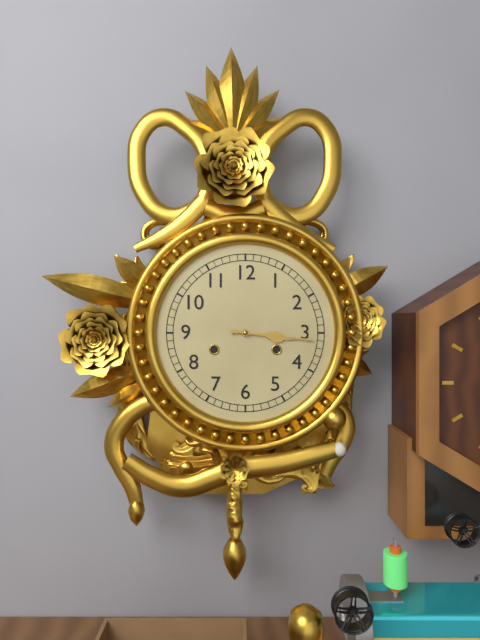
3h16
